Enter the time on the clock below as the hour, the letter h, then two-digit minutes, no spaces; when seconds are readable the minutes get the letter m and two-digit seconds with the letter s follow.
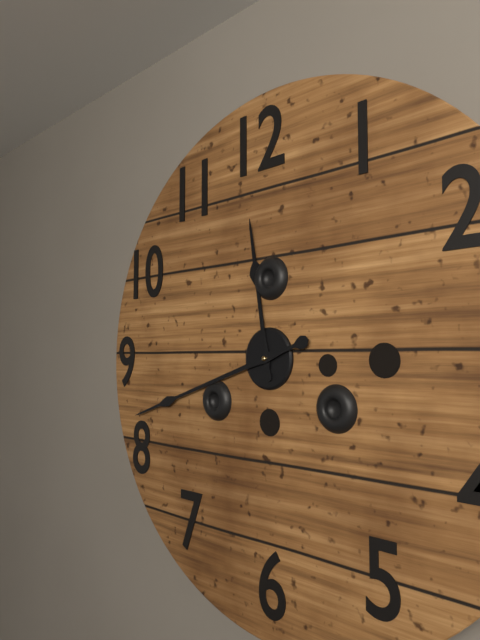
11h42
